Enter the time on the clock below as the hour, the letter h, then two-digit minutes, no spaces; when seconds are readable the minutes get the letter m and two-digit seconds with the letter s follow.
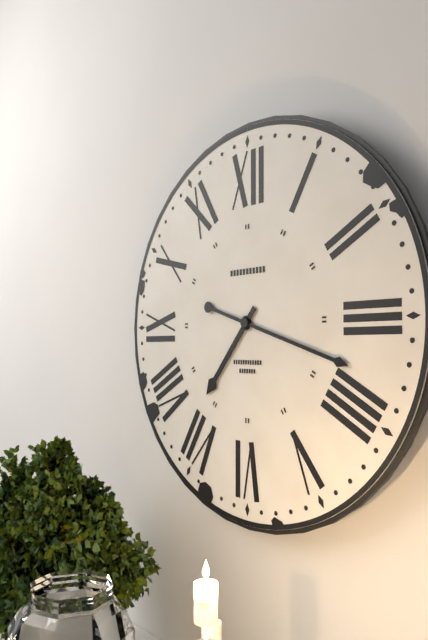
7h18
